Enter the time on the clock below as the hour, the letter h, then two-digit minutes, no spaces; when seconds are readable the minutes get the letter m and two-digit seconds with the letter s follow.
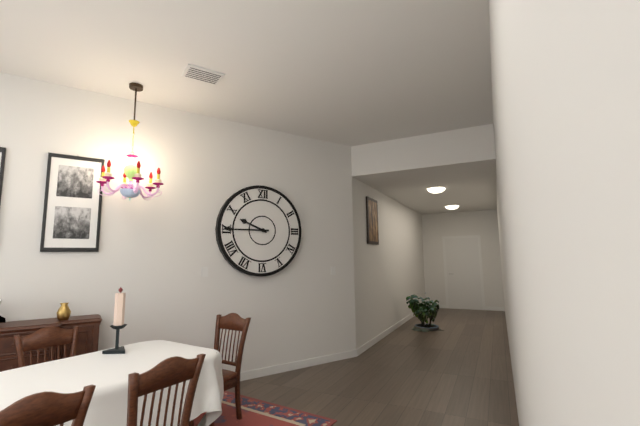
9h45
